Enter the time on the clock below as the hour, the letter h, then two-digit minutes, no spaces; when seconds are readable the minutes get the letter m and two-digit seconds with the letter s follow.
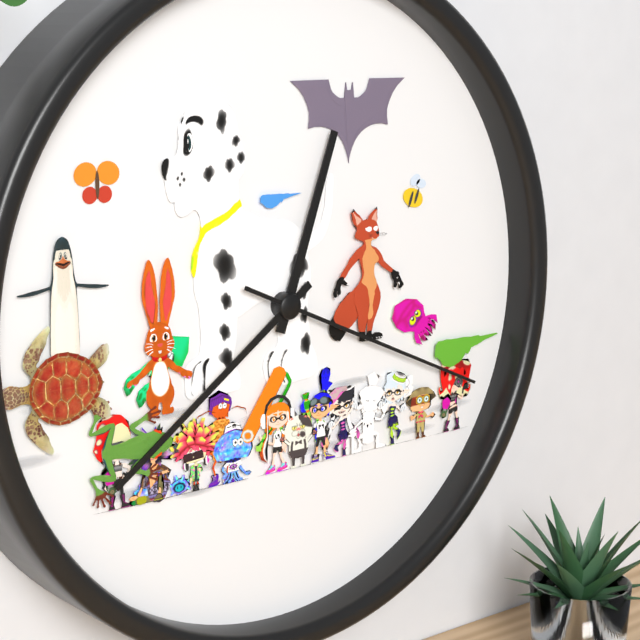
12h39m19s
